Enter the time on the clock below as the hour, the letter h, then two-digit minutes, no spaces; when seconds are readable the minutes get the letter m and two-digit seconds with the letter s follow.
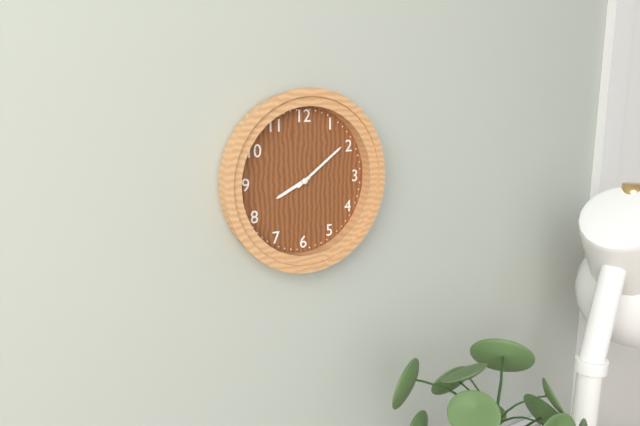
8h09
